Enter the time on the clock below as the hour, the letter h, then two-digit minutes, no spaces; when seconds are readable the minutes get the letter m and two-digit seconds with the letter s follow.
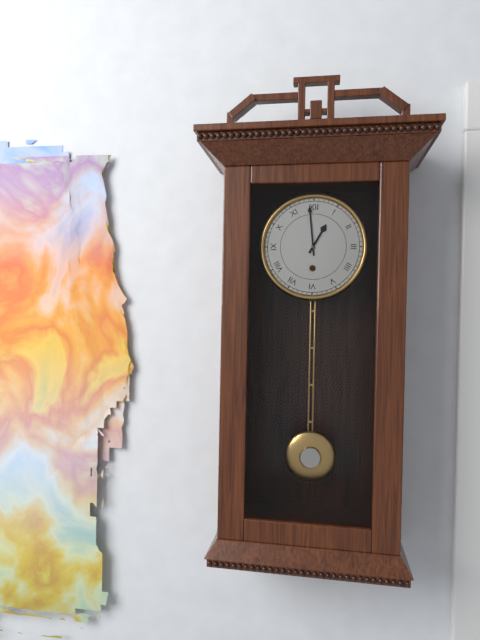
12h59
